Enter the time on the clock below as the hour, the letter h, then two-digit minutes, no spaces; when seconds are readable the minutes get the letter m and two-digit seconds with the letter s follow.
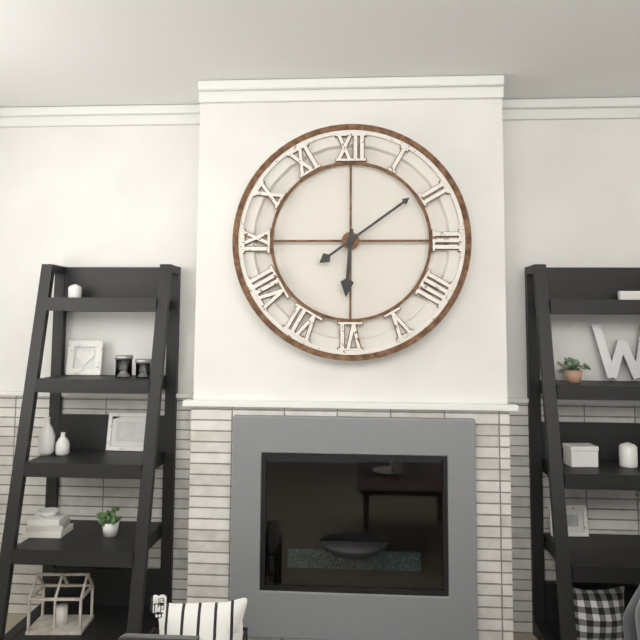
6h09
